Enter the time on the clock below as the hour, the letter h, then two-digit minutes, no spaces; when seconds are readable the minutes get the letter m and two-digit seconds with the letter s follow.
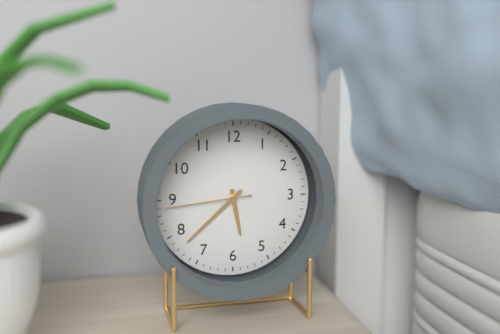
5h38m44s
